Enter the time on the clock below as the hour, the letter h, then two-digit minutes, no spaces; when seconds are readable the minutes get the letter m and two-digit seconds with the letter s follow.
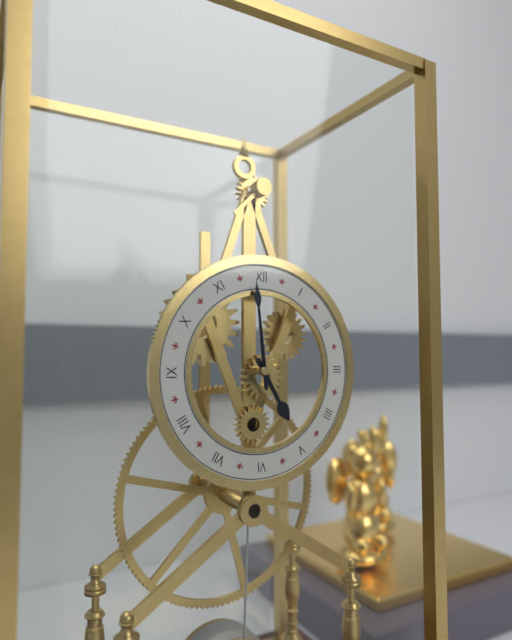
4h59
